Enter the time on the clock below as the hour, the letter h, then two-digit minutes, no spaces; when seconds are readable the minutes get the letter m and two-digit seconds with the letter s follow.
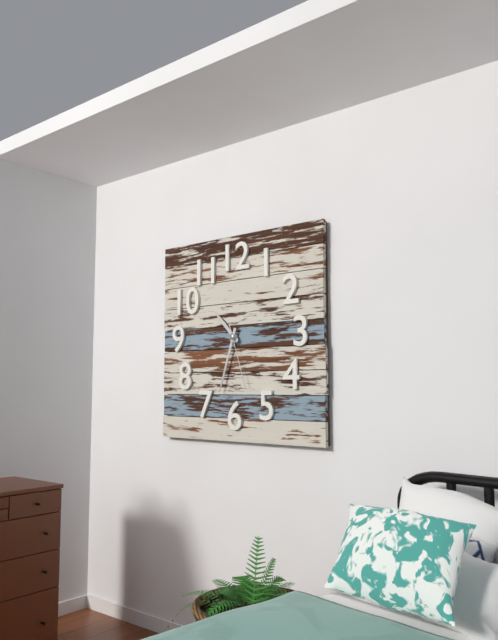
10h33m27s
